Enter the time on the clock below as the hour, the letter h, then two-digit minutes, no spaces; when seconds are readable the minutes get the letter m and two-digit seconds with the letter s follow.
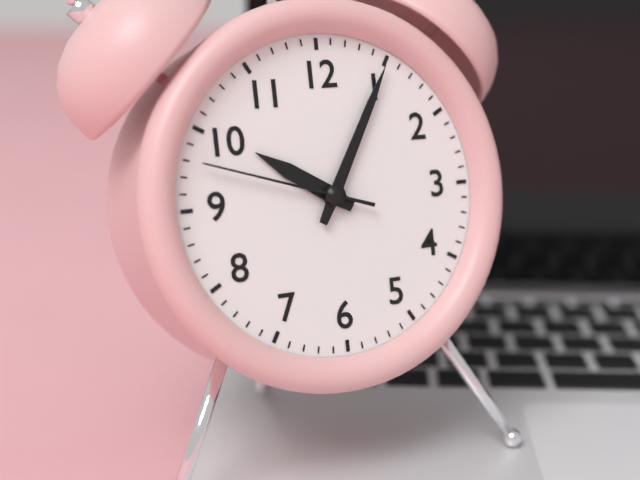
10h05m48s
